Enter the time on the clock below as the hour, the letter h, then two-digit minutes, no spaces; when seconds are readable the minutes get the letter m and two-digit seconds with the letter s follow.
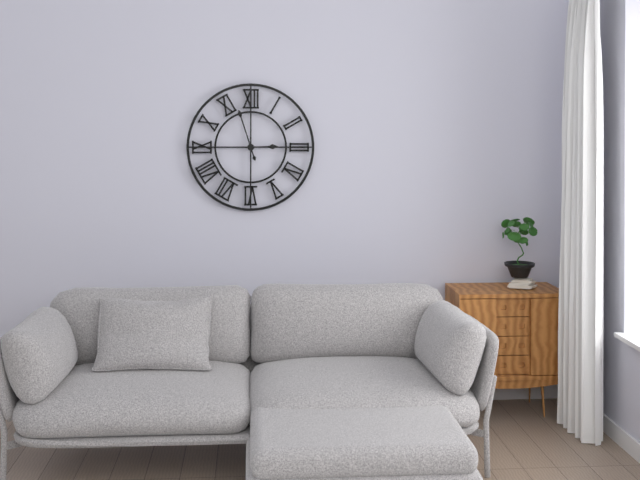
2h57
